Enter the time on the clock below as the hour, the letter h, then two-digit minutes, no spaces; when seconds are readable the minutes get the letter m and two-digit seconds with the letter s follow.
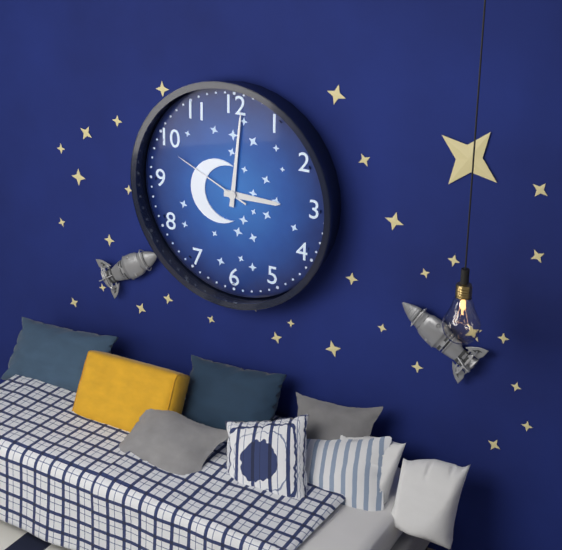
3h01m49s
